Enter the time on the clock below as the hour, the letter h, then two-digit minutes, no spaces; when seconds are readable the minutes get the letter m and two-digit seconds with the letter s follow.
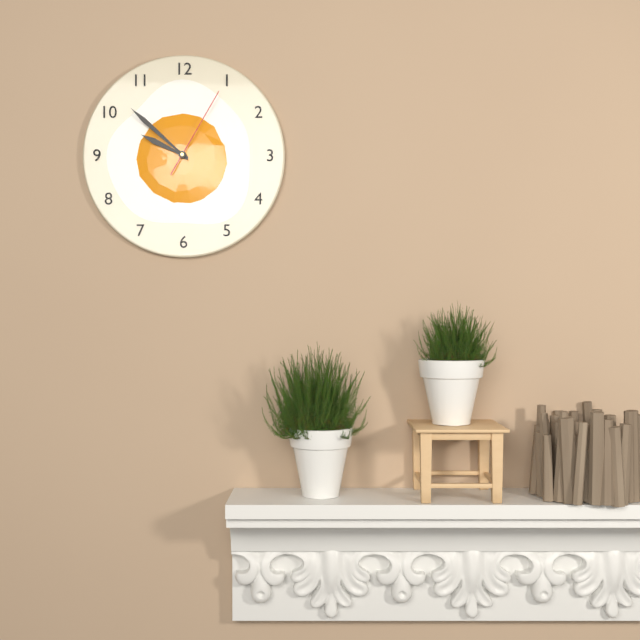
9h52m05s
